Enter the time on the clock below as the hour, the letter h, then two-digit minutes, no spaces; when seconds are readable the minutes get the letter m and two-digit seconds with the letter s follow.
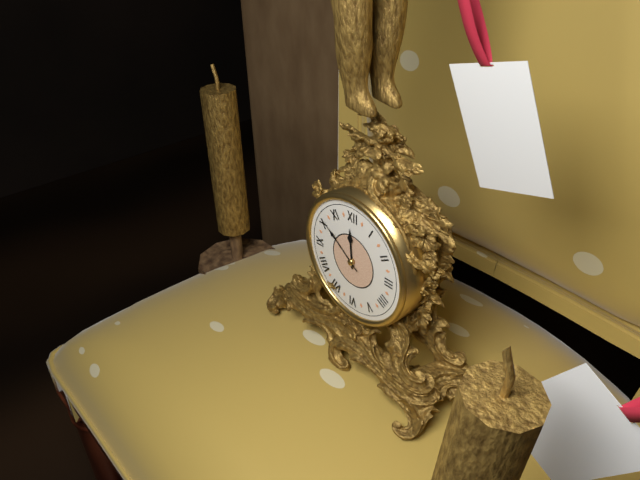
11h51
